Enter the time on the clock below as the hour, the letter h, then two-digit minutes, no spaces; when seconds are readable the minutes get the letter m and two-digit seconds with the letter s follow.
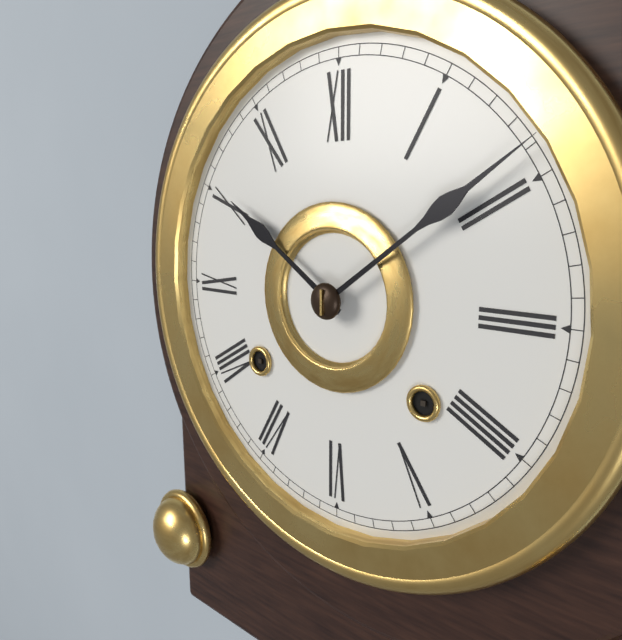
10h09
